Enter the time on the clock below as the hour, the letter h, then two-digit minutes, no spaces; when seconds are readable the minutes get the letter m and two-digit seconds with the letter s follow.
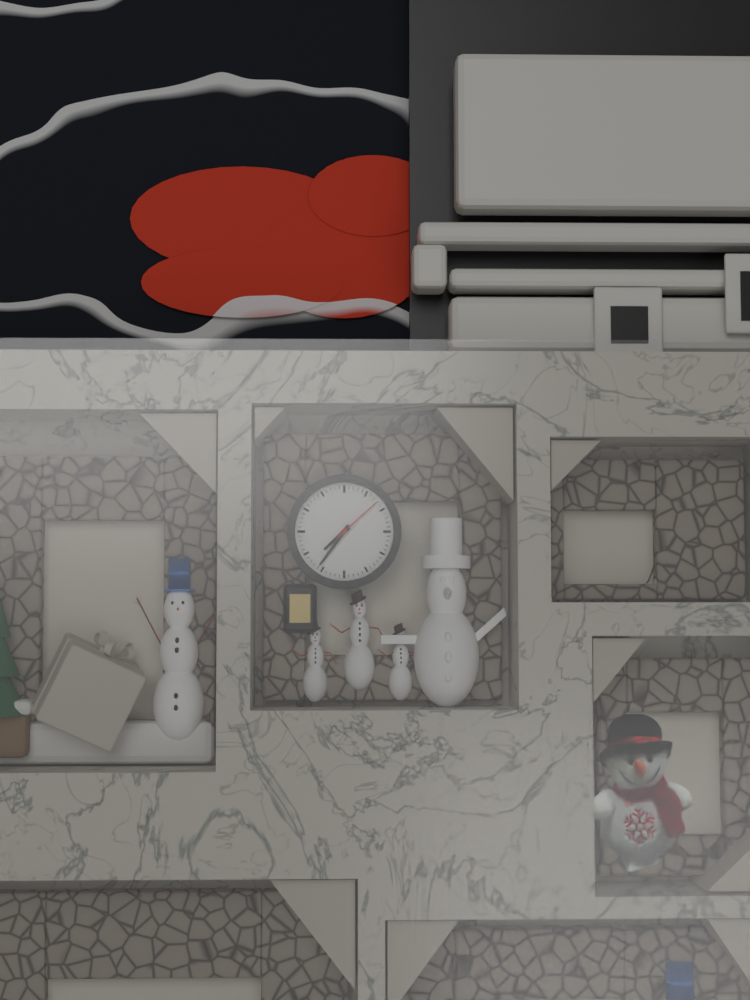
7h36m08s
